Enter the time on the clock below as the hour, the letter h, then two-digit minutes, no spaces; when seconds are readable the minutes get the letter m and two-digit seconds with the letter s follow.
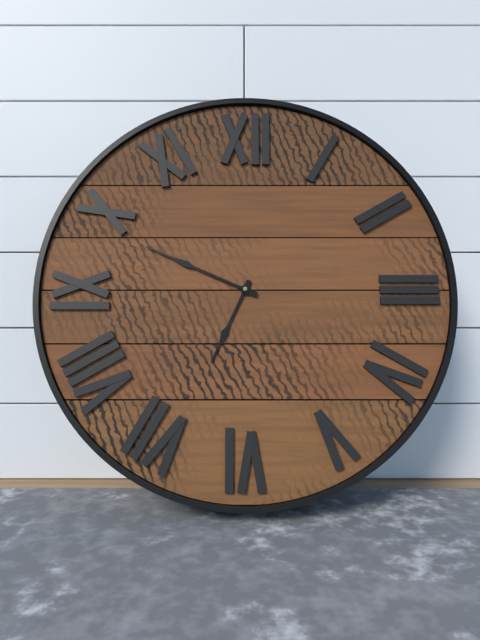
6h49
